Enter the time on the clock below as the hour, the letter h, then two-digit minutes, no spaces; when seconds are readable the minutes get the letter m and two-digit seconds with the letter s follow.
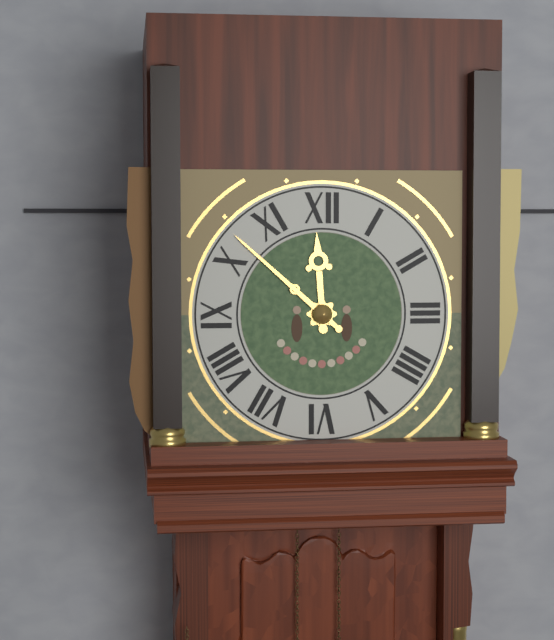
11h52
